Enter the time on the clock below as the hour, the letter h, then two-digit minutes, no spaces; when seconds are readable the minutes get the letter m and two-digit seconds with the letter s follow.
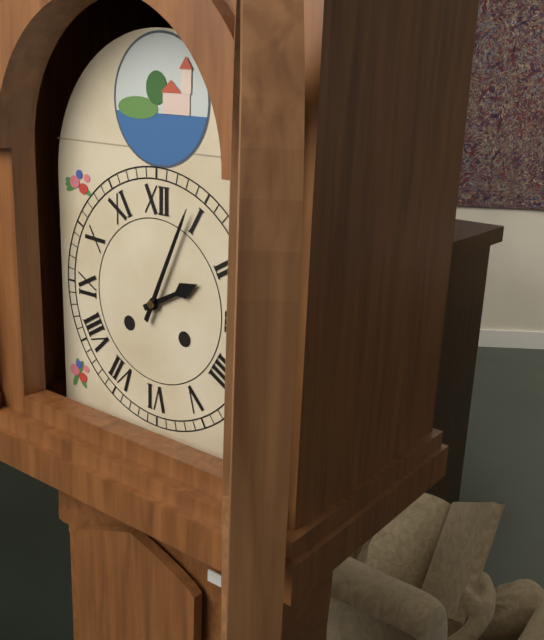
2h04
